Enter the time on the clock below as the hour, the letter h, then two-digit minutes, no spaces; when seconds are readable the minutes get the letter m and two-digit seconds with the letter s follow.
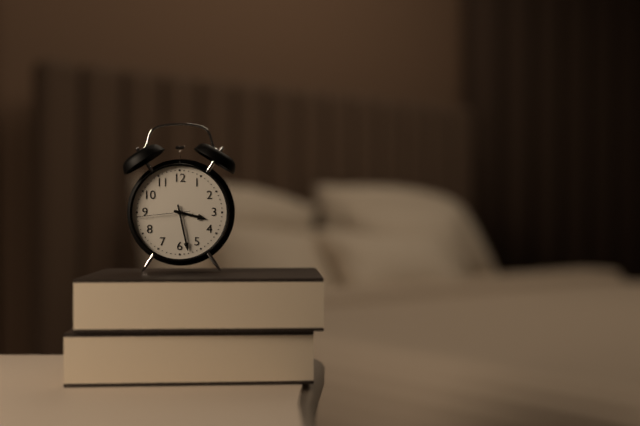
3h28m44s
